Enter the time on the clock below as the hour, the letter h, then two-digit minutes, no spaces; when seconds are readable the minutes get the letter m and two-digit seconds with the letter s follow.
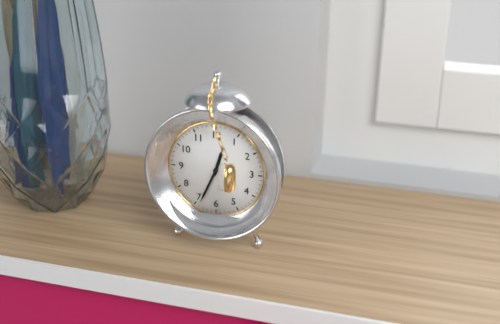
12h34
